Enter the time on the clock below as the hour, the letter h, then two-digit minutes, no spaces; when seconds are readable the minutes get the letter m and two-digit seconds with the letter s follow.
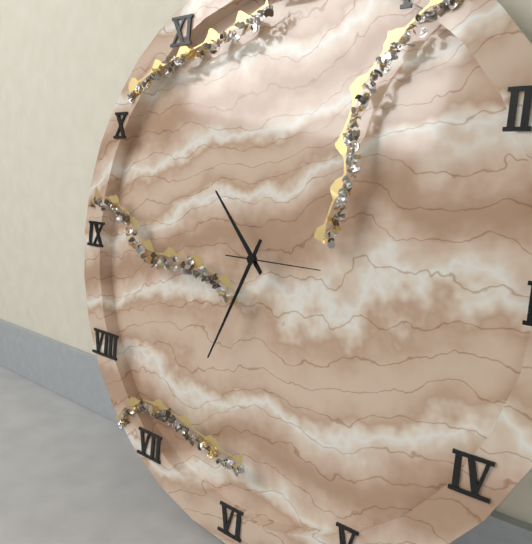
10h34m15s
